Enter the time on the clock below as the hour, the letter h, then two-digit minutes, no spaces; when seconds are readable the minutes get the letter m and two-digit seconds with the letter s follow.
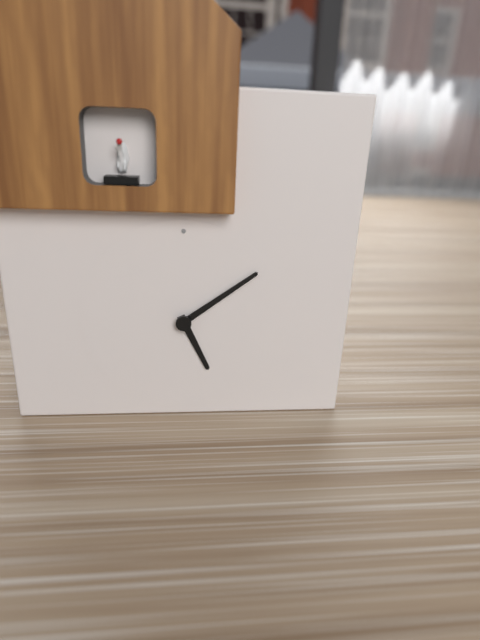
5h09
